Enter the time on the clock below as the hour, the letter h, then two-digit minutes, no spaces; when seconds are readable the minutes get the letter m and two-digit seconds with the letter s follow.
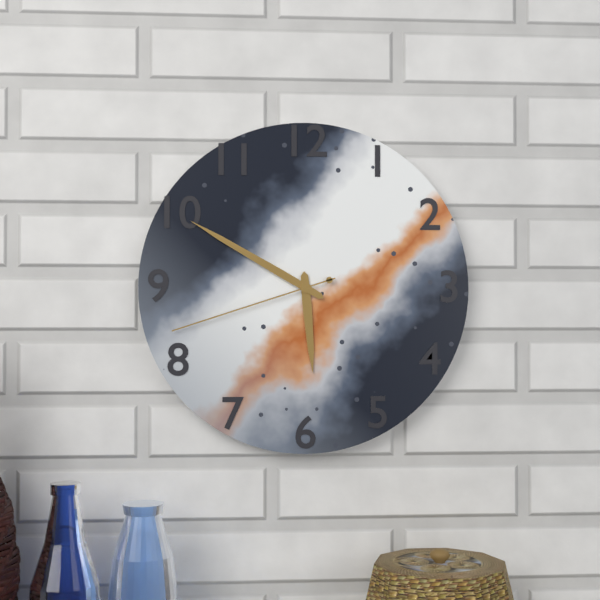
5h50m42s
